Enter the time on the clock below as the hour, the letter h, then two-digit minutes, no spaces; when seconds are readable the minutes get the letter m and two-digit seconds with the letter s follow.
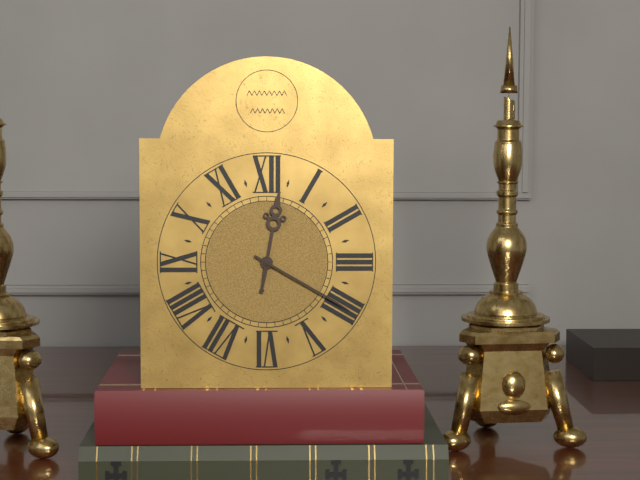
12h20
